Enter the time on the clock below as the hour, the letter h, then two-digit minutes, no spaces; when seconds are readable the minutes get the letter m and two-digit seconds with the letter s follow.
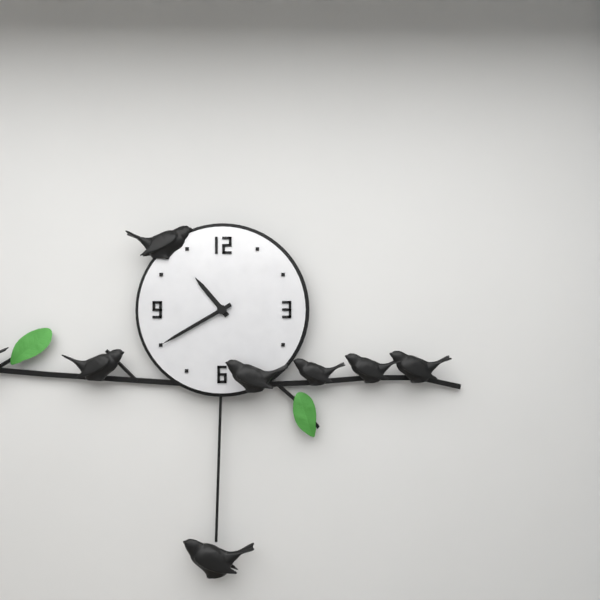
10h40
